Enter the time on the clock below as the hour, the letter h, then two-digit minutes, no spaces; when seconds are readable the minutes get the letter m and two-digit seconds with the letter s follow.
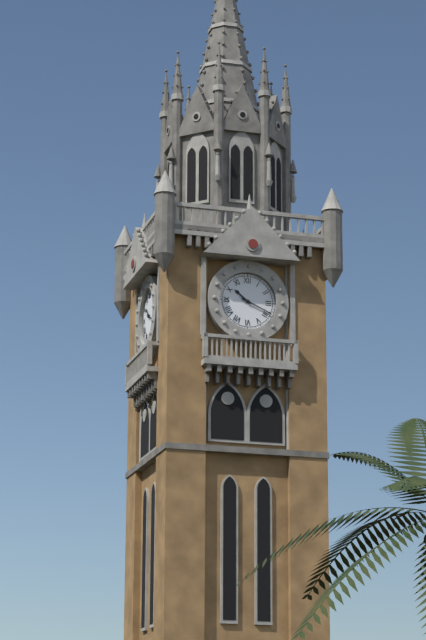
10h19
